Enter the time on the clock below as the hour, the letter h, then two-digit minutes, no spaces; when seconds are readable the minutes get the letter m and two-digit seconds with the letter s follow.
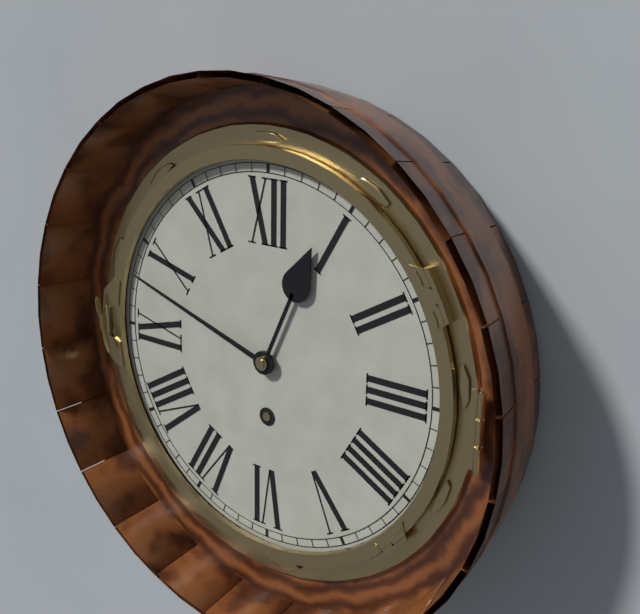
12h48
